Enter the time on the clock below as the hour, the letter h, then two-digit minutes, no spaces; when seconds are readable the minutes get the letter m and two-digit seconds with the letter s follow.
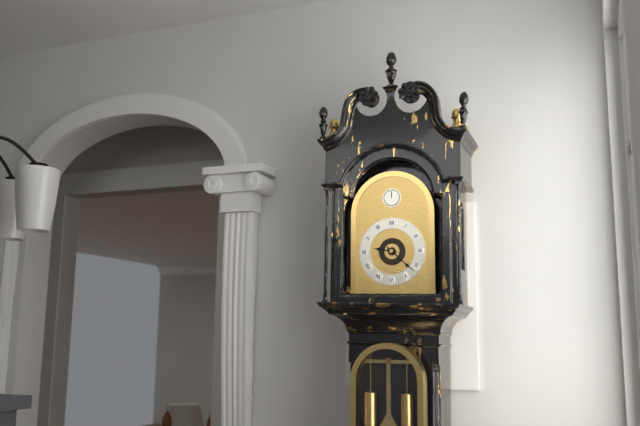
9h22
